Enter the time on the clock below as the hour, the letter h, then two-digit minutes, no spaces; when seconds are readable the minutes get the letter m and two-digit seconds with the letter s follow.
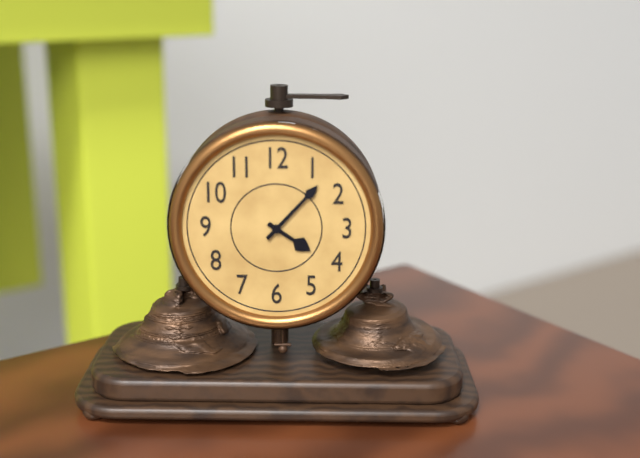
4h07
